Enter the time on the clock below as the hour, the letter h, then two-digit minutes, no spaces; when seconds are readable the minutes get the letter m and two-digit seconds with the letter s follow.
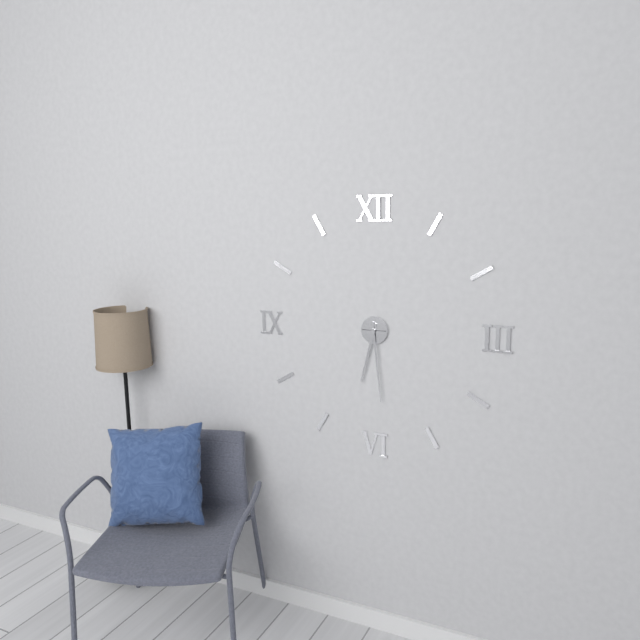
6h29
